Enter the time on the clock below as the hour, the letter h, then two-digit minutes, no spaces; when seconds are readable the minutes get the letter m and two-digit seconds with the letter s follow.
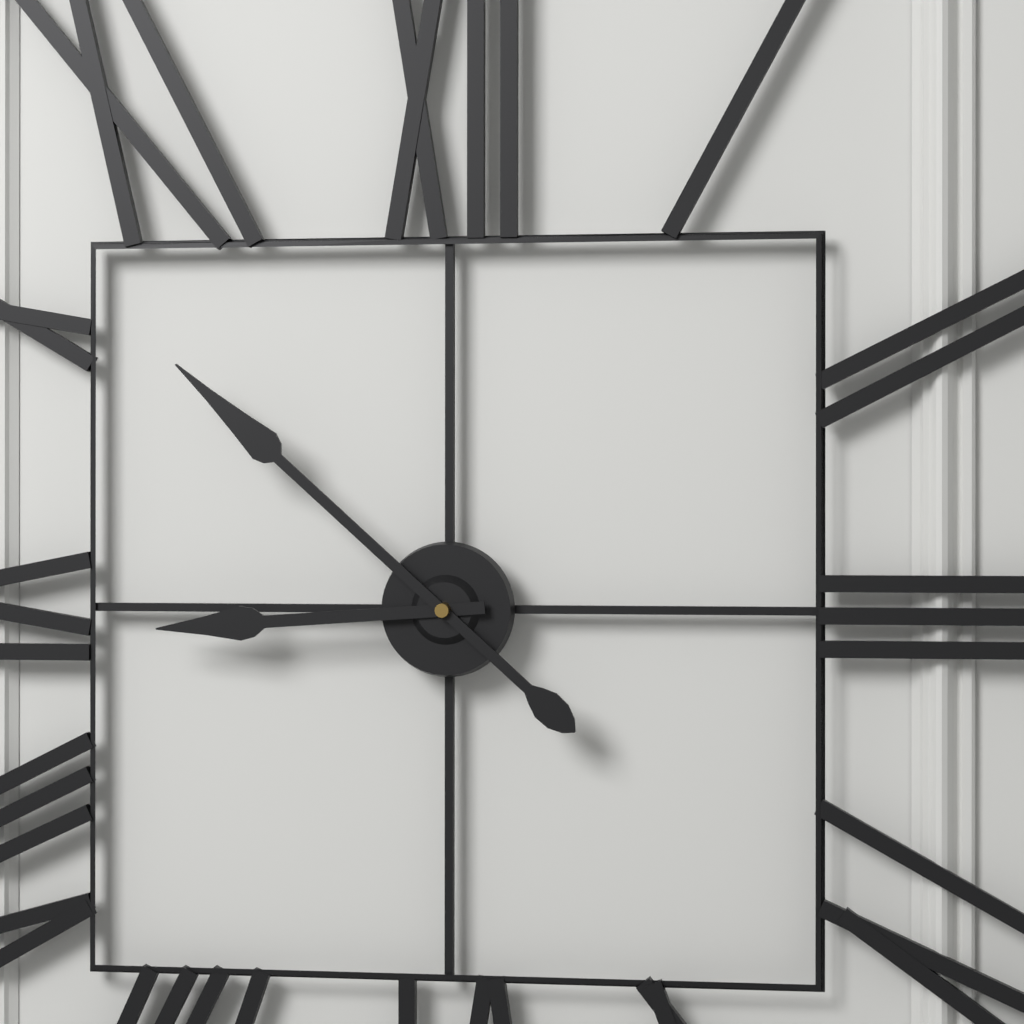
8h52
